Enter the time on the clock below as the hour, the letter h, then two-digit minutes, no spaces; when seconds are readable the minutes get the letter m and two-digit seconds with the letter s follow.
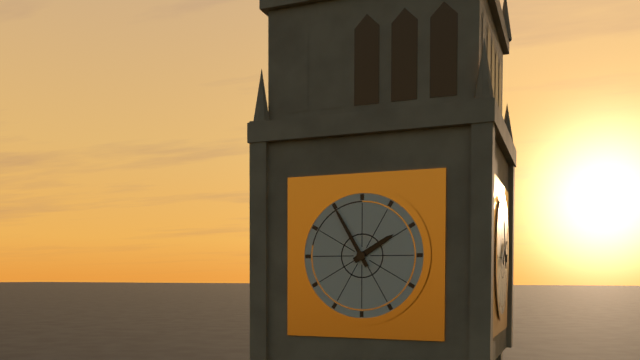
1h55
